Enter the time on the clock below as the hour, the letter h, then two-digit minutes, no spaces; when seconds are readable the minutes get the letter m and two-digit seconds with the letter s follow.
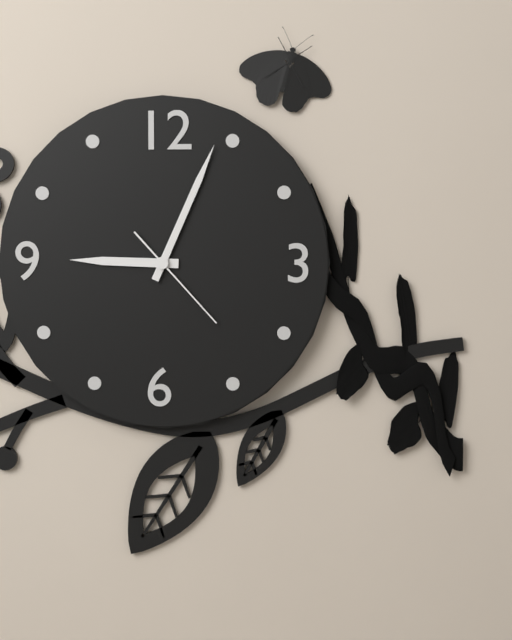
9h04m23s
